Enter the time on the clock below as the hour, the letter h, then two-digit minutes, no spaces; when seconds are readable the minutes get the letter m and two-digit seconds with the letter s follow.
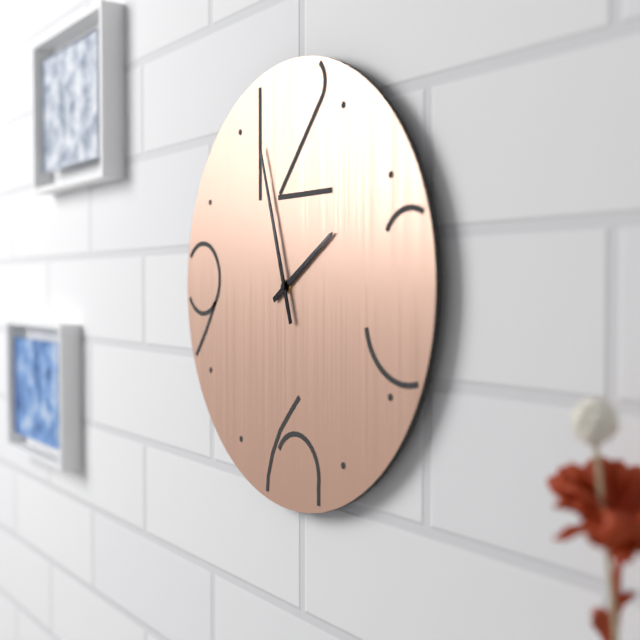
1h57
